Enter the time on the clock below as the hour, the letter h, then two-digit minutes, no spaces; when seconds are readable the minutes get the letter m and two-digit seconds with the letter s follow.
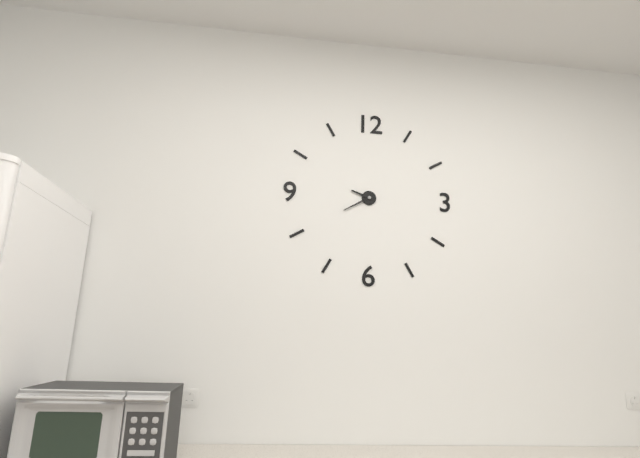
9h40
